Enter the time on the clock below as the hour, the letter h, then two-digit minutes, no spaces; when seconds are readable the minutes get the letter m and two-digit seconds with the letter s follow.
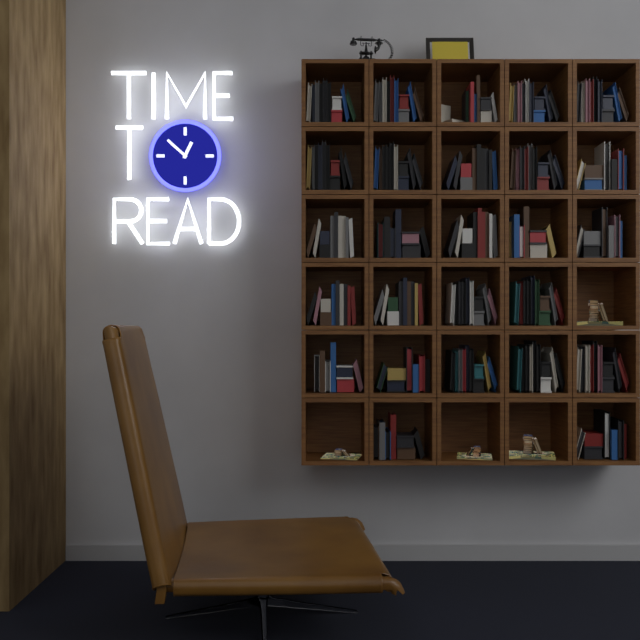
12h52
